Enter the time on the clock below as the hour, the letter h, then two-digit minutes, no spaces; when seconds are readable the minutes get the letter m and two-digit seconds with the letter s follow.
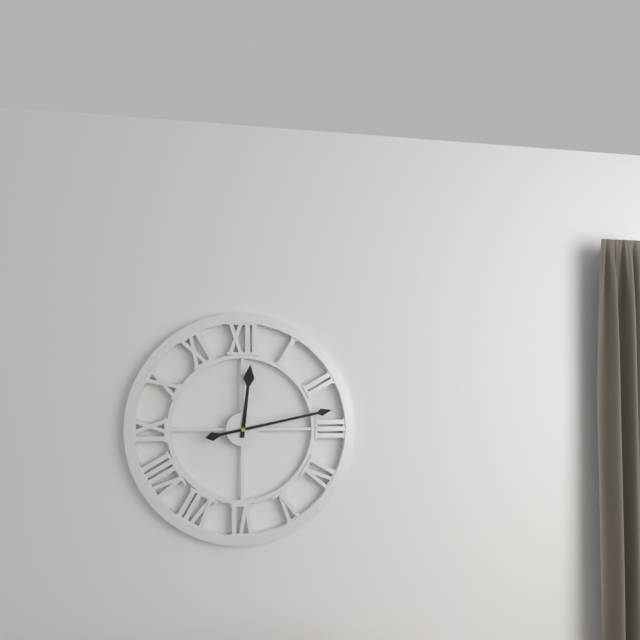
12h13
